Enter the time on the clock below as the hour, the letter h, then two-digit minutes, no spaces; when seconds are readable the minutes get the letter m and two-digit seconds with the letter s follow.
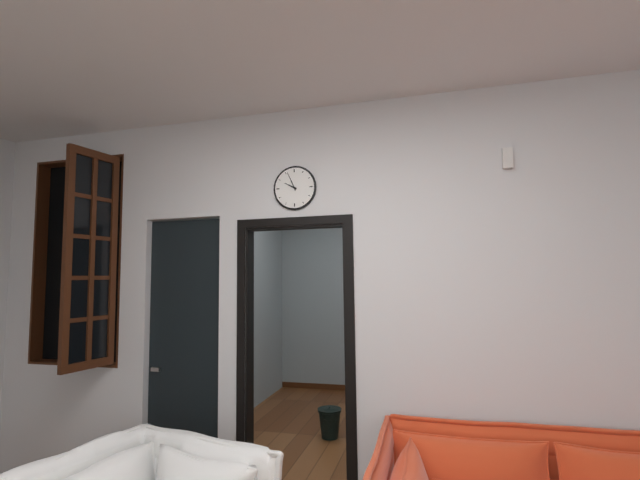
9h56
